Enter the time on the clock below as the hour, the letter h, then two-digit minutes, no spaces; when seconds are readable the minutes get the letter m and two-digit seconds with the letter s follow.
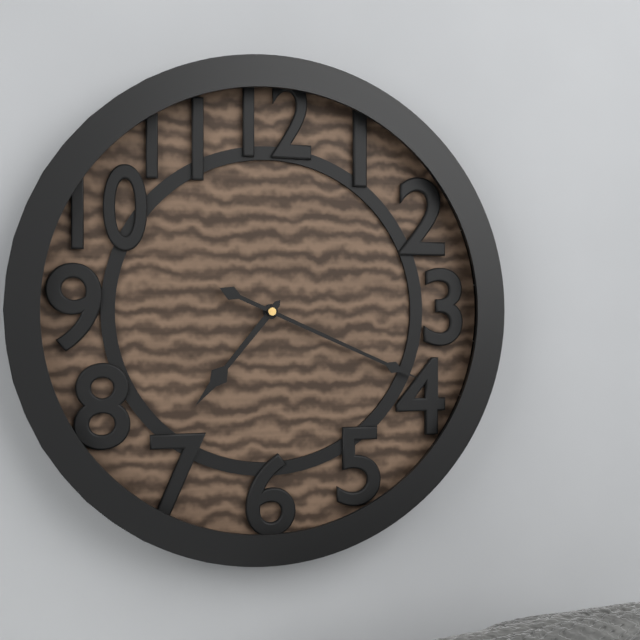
7h19
